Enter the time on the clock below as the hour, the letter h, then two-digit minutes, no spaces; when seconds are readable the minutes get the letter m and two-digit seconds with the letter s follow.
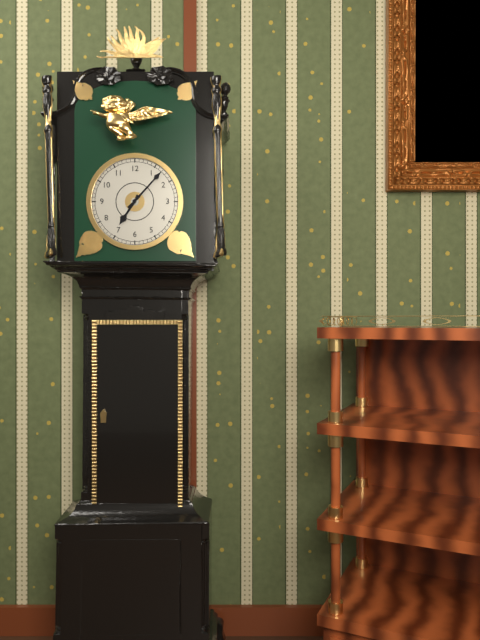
7h07
